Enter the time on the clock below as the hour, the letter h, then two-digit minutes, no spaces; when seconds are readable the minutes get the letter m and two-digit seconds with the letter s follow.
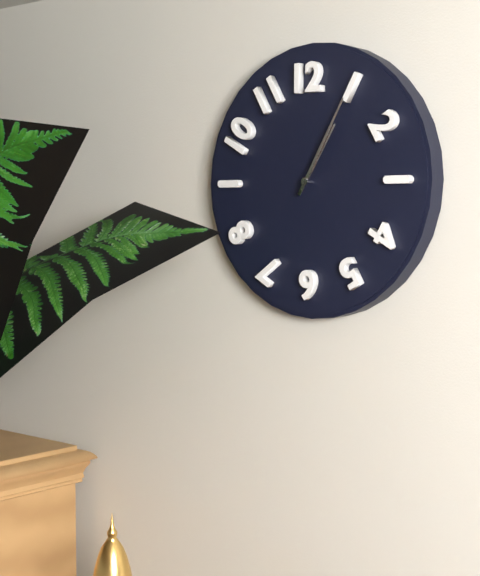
1h05
